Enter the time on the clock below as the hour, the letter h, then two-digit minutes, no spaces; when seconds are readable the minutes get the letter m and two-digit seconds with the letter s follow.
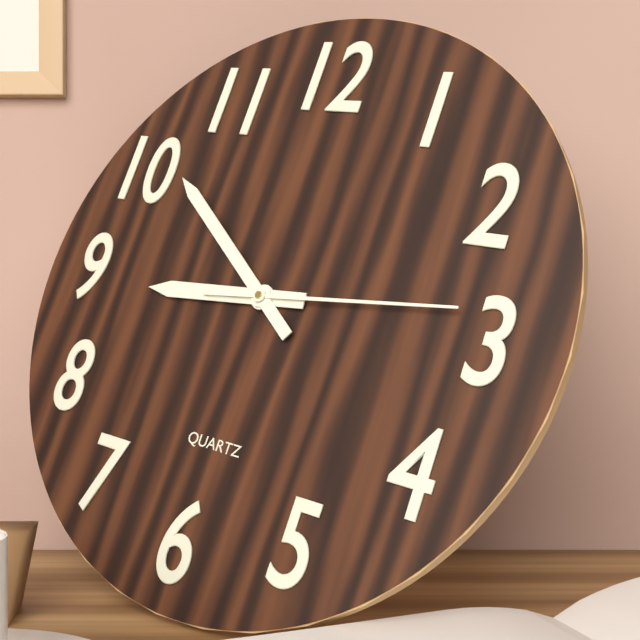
8h51m14s
